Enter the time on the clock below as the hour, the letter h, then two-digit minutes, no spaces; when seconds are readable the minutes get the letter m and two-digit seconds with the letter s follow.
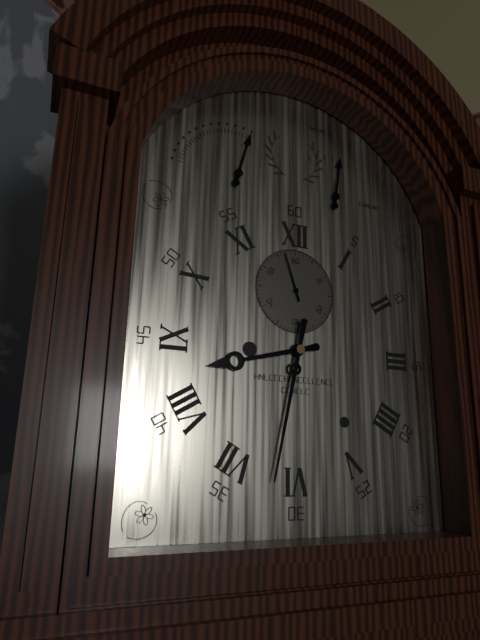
8h32
